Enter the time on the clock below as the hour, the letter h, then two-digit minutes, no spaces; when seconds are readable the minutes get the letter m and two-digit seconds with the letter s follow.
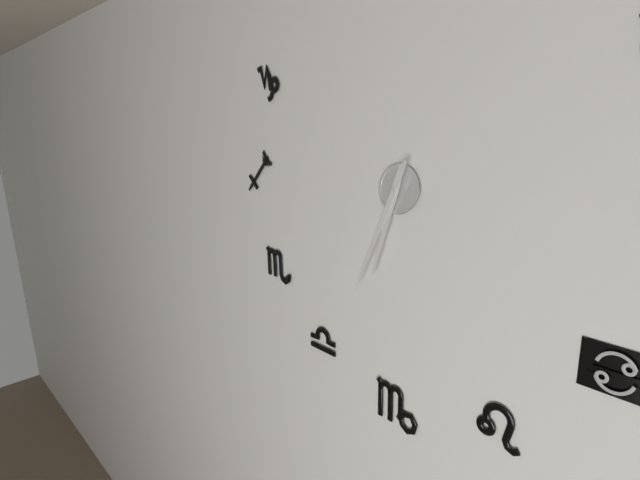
6h34
